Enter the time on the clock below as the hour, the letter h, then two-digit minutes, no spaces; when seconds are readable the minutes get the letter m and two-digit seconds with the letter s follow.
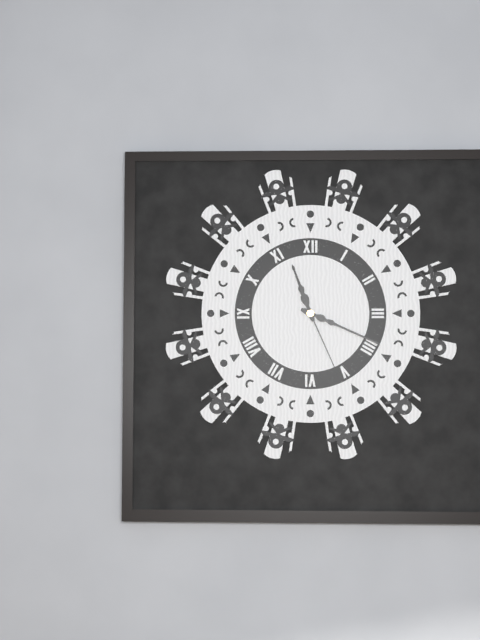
11h19m26s
